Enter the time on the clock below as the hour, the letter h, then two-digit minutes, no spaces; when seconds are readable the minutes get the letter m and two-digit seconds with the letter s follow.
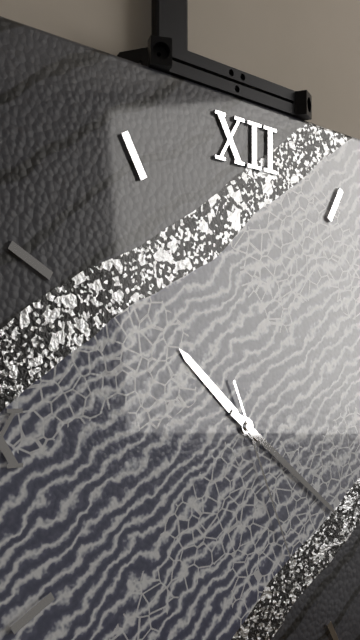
10h21m26s
